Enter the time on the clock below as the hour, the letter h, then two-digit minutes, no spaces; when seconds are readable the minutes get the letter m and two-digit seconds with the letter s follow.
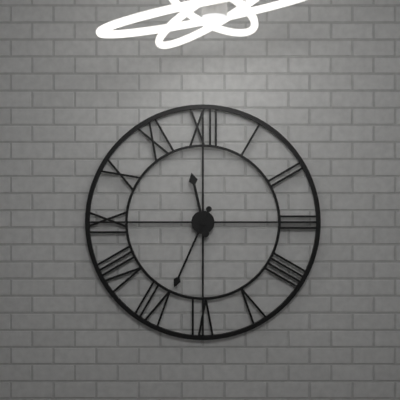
11h34
